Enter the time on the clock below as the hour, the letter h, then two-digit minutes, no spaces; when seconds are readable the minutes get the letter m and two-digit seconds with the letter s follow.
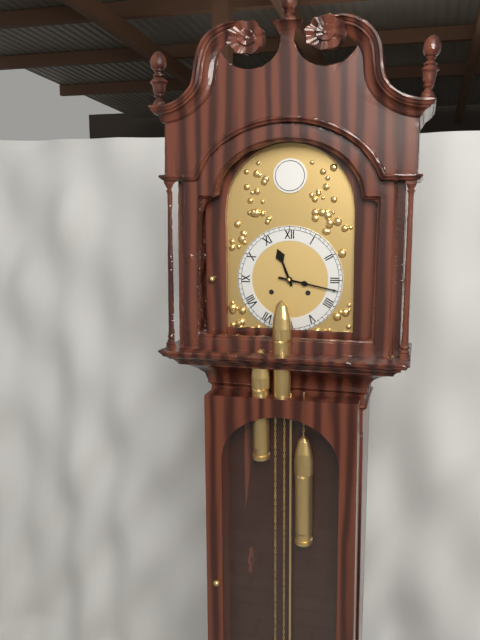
11h17
